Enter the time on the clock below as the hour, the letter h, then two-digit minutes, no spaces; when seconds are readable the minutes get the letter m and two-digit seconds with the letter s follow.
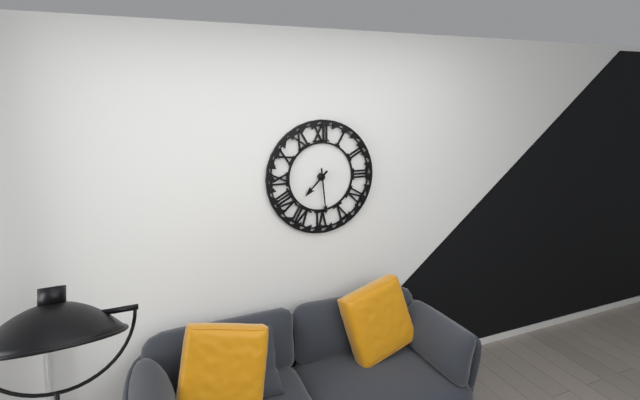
7h29
